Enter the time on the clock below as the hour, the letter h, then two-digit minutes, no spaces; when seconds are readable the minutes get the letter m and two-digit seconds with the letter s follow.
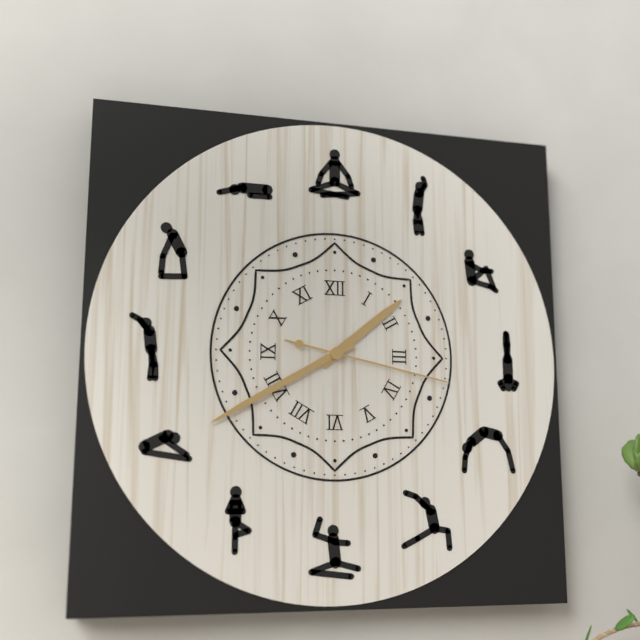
1h40m17s
